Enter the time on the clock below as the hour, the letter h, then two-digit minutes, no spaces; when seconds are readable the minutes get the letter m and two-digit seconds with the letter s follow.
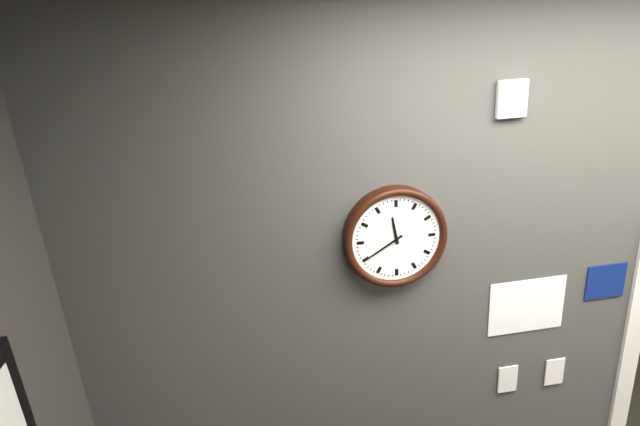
11h40
